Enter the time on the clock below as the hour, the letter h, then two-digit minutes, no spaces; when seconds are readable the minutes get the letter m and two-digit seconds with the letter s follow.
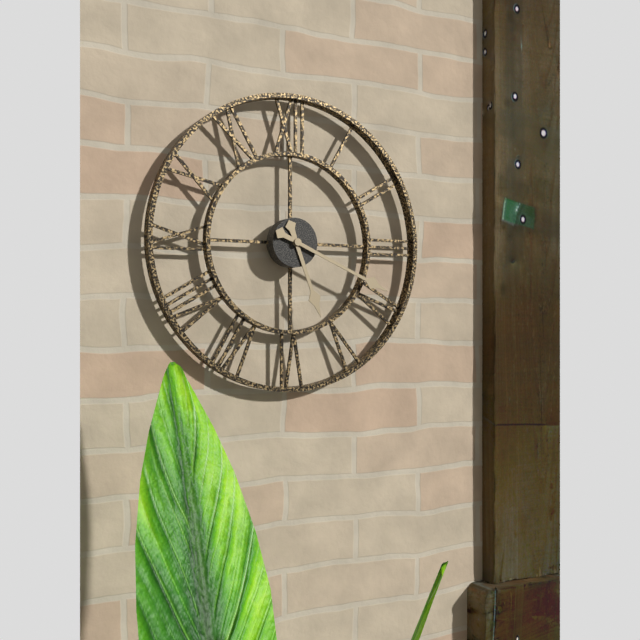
5h19
